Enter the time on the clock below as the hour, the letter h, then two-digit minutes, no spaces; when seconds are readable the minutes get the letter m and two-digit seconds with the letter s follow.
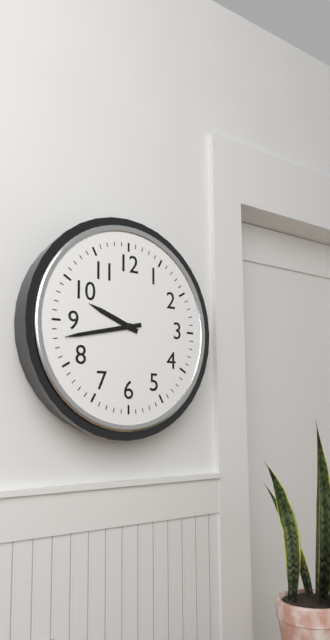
9h43
